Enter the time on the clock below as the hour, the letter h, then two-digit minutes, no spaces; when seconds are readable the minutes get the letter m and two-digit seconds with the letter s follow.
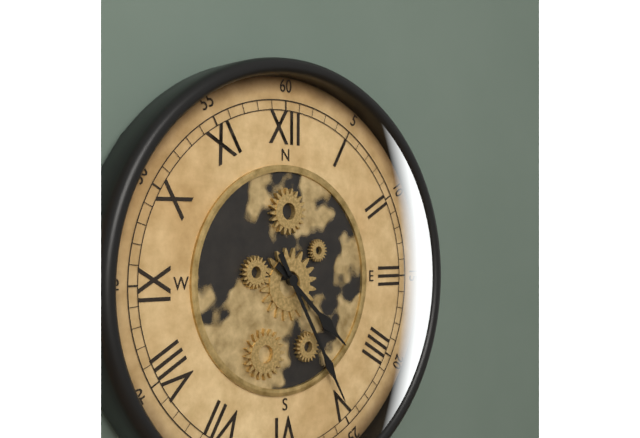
4h25
